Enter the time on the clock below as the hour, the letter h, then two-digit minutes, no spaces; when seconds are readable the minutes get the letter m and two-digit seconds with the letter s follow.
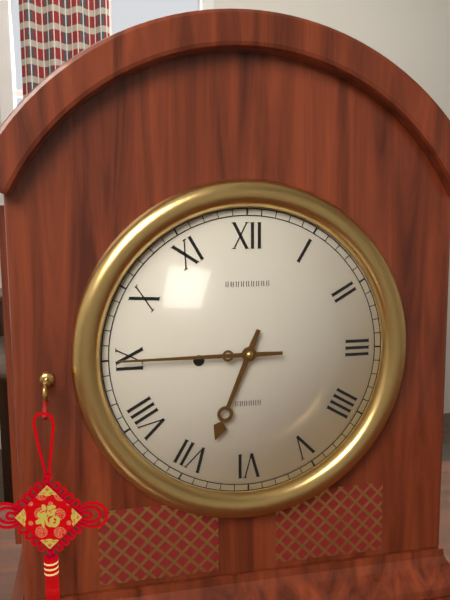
6h45
